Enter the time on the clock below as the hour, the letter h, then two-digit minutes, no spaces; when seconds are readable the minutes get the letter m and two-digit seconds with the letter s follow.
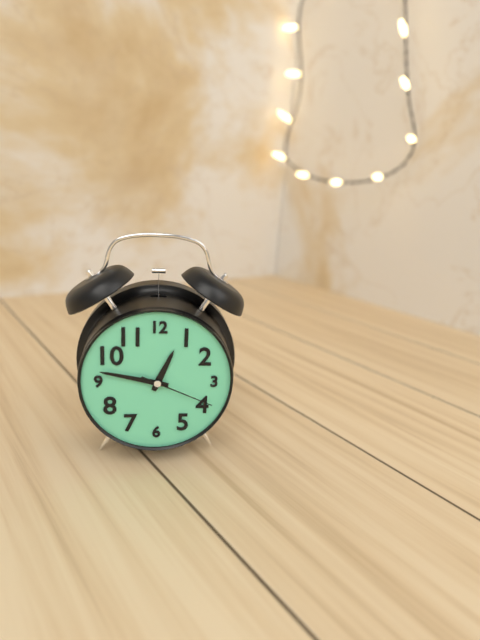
12h47m19s
